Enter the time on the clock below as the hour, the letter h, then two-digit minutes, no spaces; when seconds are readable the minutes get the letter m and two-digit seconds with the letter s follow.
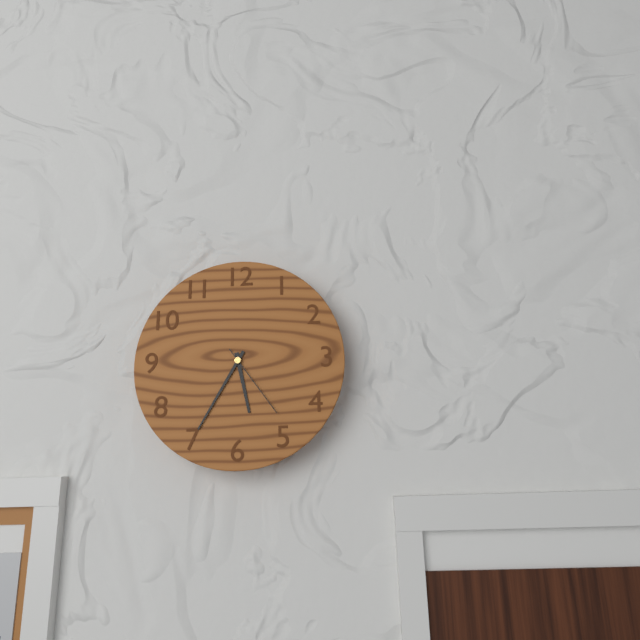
5h35m24s
